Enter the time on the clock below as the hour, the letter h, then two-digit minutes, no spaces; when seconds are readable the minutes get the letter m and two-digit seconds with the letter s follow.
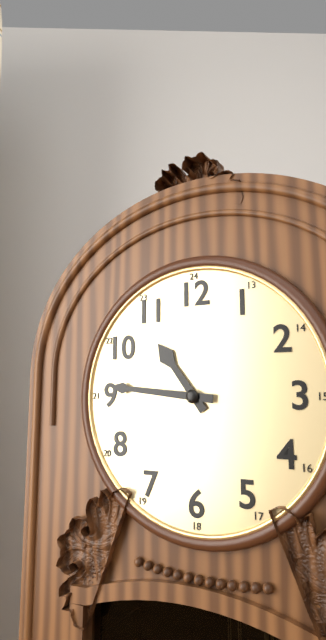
10h46
